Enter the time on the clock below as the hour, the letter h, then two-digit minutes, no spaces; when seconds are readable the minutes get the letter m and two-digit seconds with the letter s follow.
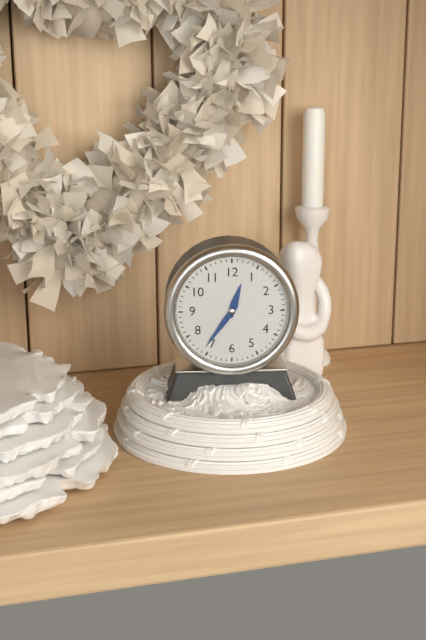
12h36
